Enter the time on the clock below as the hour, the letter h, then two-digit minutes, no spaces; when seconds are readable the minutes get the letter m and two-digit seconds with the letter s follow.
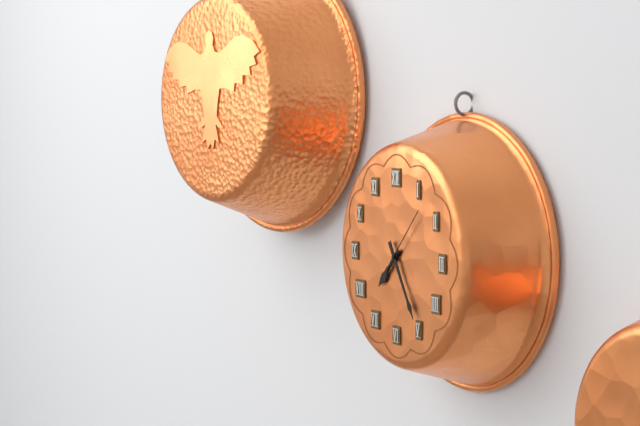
7h25m07s
